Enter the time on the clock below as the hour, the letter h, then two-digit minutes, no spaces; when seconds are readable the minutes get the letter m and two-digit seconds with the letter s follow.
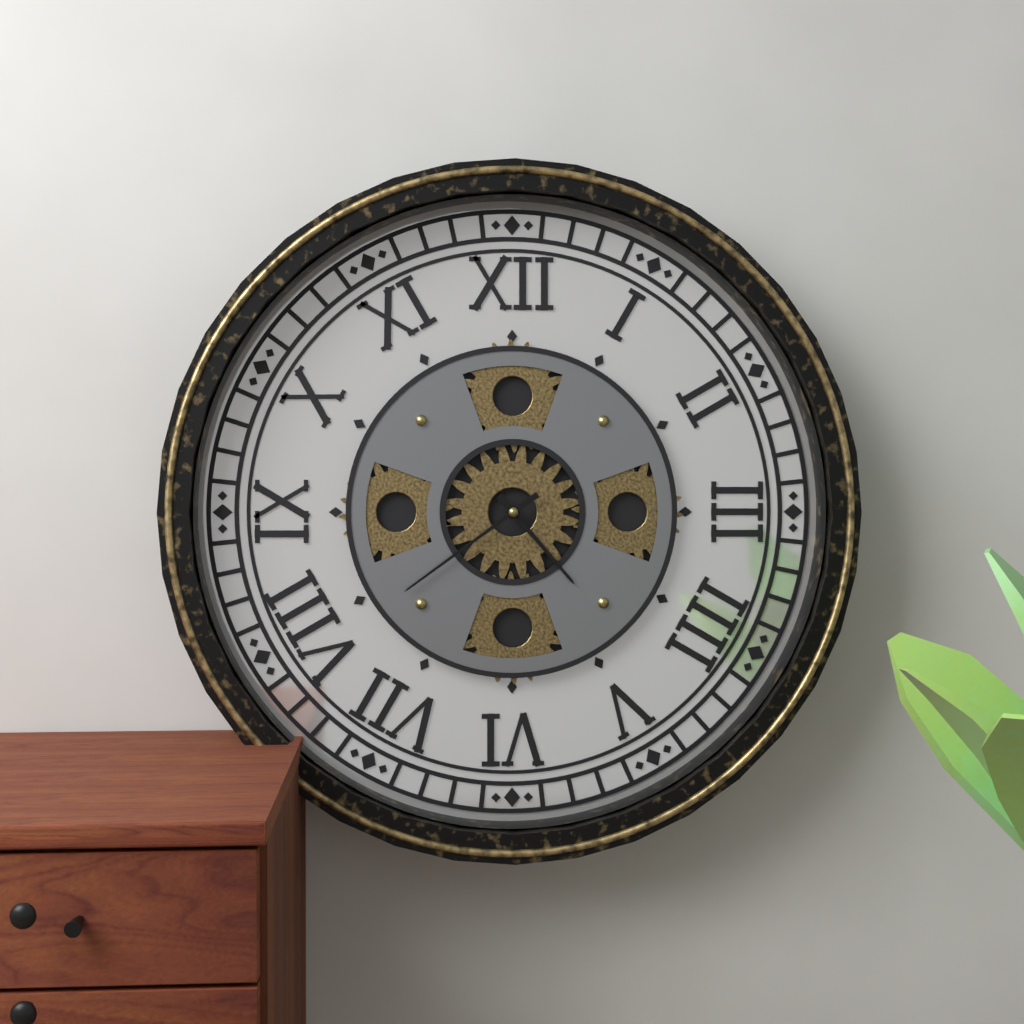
4h39
